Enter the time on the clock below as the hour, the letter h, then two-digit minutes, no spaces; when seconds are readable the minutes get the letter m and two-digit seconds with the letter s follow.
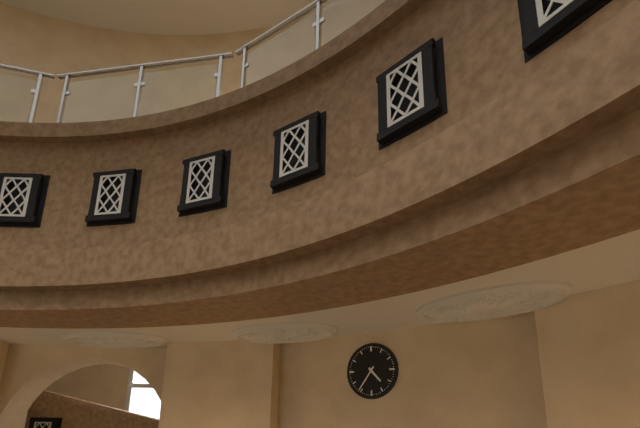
4h36
